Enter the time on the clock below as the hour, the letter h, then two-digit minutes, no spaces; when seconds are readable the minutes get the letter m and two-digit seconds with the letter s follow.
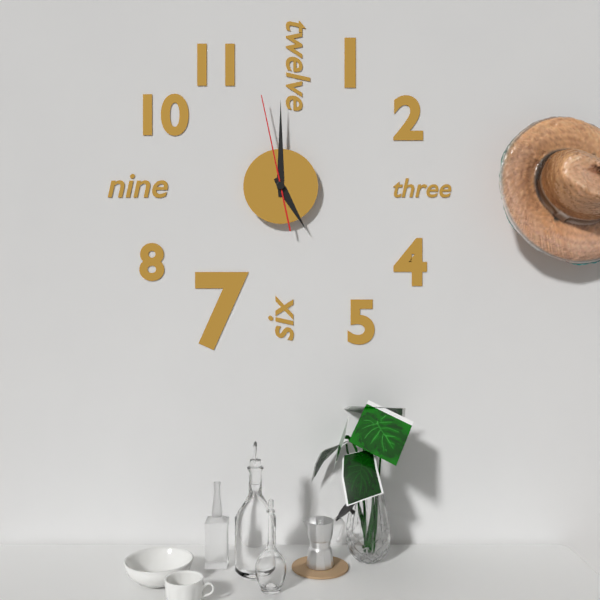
5h00m58s
